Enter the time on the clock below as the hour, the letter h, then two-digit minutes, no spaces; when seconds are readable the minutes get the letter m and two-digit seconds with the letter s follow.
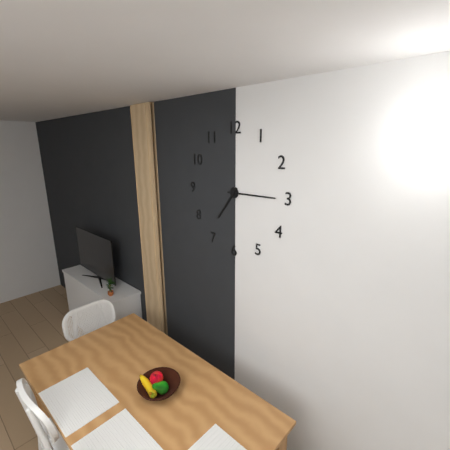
7h15
